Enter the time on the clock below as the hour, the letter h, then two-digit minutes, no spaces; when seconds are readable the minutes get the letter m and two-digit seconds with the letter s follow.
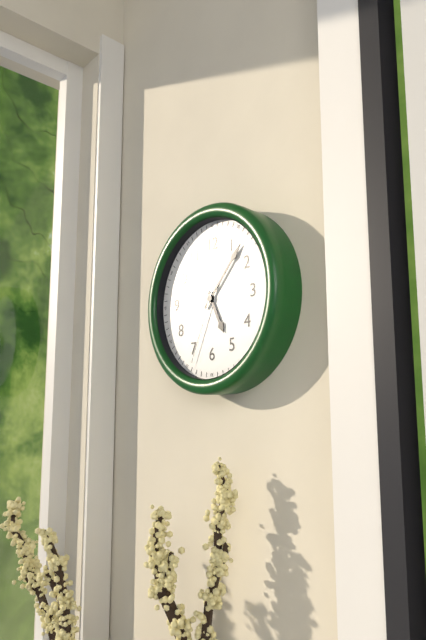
5h07m34s
